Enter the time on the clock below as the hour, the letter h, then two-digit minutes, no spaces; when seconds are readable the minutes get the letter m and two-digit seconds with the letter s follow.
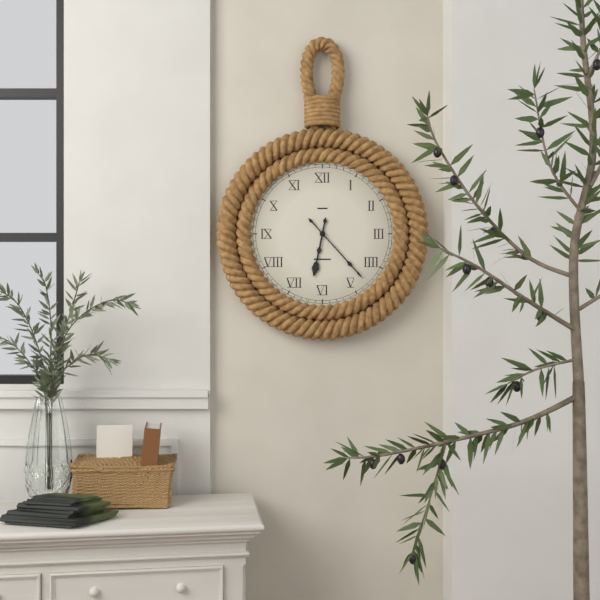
6h23
